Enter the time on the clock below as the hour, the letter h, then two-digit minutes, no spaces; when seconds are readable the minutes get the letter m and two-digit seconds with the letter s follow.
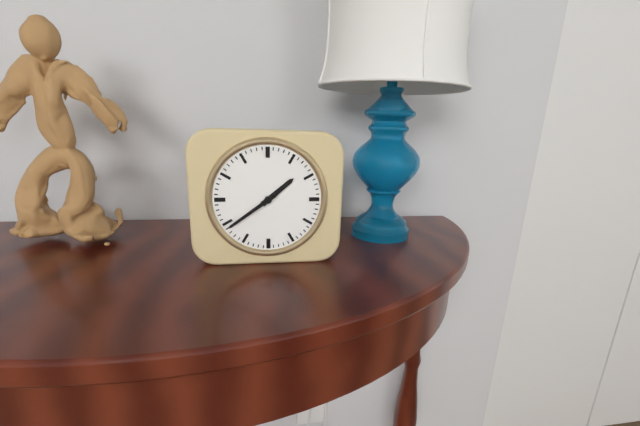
1h39
